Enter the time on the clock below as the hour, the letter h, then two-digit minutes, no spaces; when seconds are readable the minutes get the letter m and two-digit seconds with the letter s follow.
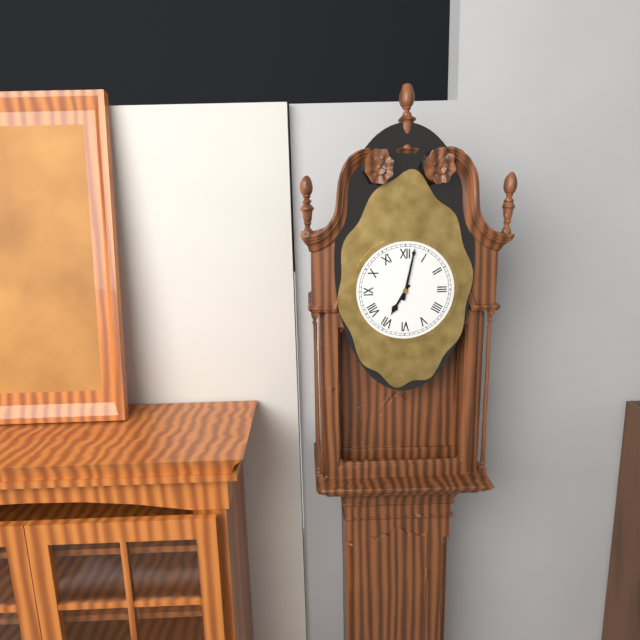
7h02
